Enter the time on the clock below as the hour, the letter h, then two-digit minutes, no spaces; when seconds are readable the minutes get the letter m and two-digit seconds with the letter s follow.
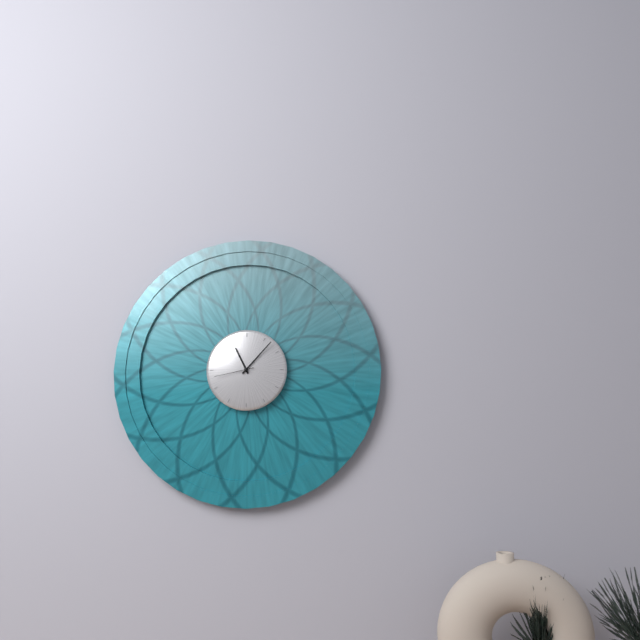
11h07
